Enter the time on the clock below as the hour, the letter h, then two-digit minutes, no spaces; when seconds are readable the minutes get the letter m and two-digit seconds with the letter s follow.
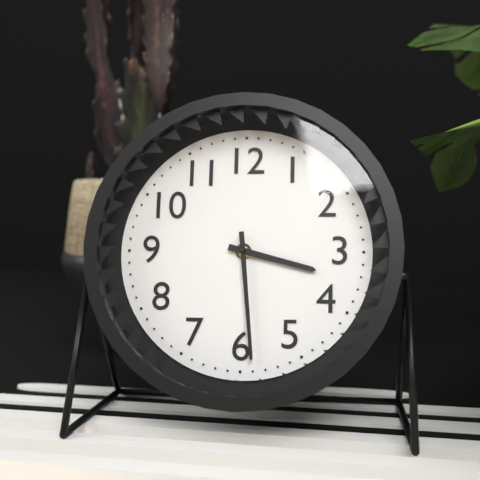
3h29
